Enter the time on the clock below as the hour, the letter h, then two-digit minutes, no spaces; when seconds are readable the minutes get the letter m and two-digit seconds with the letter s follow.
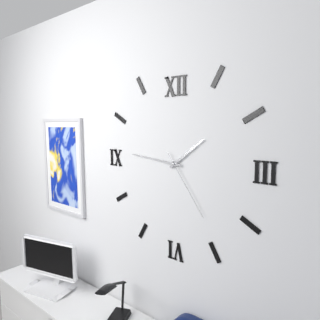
1h46m24s
